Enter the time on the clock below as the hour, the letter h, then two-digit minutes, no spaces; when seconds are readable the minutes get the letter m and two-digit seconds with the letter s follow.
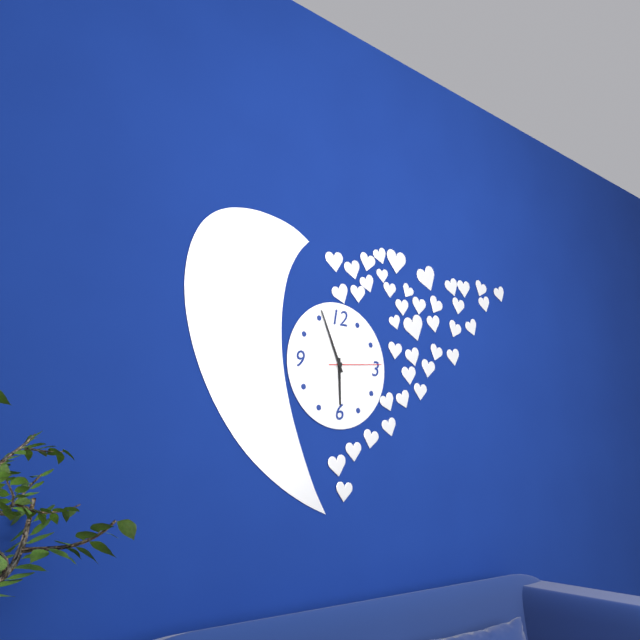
5h56m14s
